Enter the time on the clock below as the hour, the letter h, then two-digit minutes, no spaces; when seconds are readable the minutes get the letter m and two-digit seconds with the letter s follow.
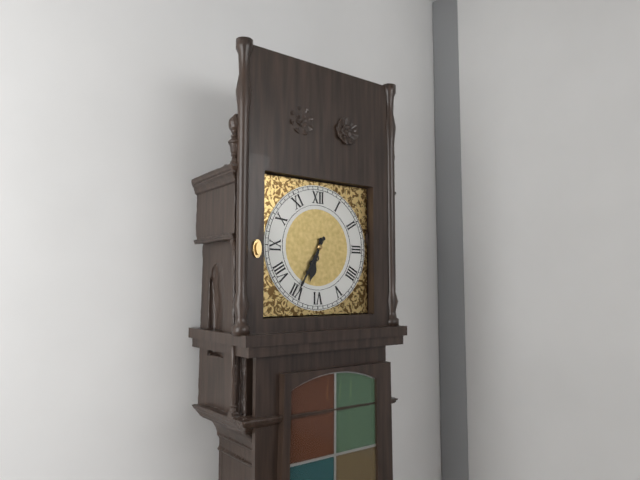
6h35
